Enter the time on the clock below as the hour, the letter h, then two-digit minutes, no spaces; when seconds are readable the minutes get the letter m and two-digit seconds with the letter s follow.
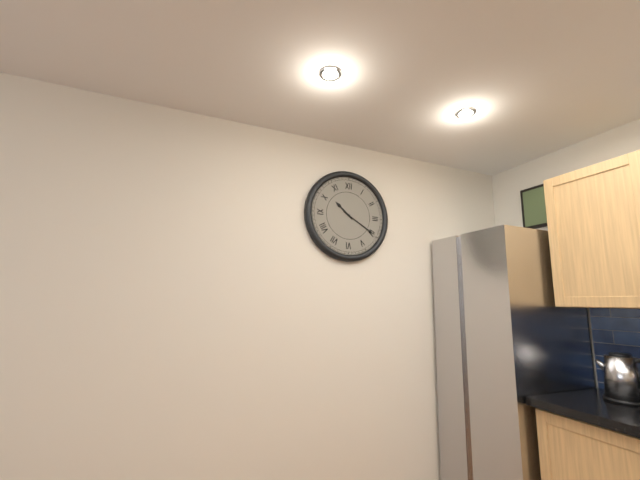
10h20
